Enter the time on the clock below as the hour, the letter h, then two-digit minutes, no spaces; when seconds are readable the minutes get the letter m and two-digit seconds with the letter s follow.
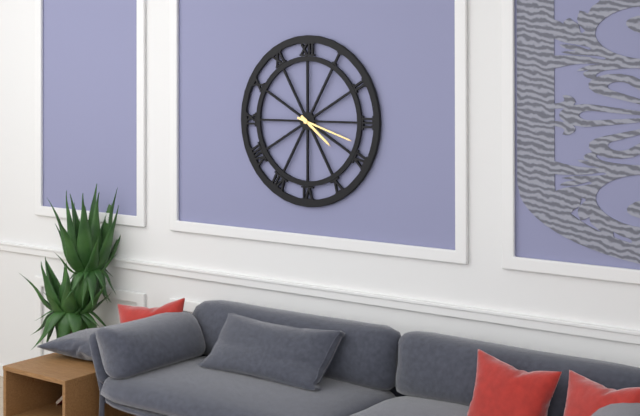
4h18
